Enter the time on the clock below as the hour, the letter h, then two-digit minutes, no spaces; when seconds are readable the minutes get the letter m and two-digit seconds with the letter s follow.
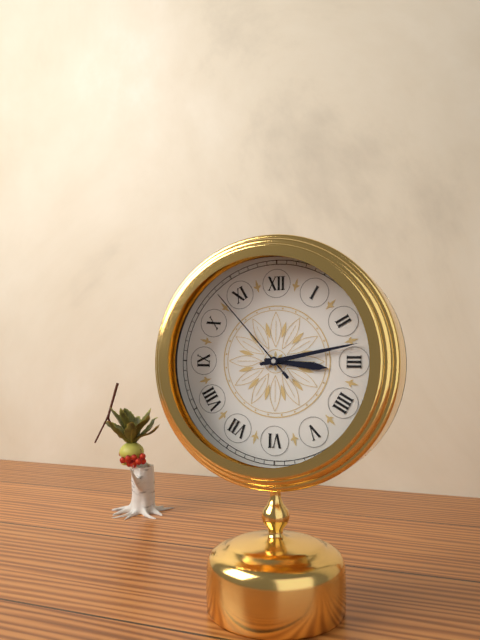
3h13m53s
